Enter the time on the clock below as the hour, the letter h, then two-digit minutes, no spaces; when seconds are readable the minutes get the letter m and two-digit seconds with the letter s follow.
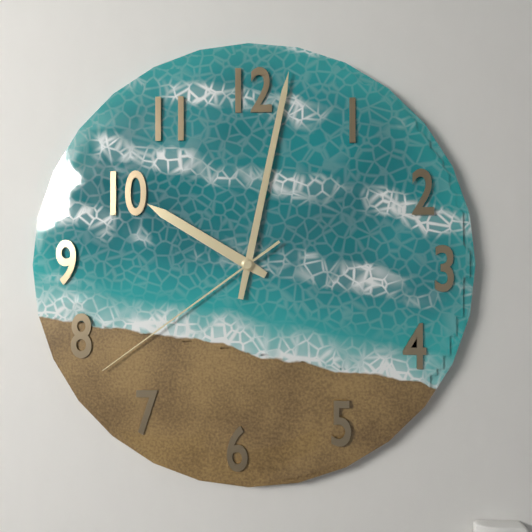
10h02m39s
